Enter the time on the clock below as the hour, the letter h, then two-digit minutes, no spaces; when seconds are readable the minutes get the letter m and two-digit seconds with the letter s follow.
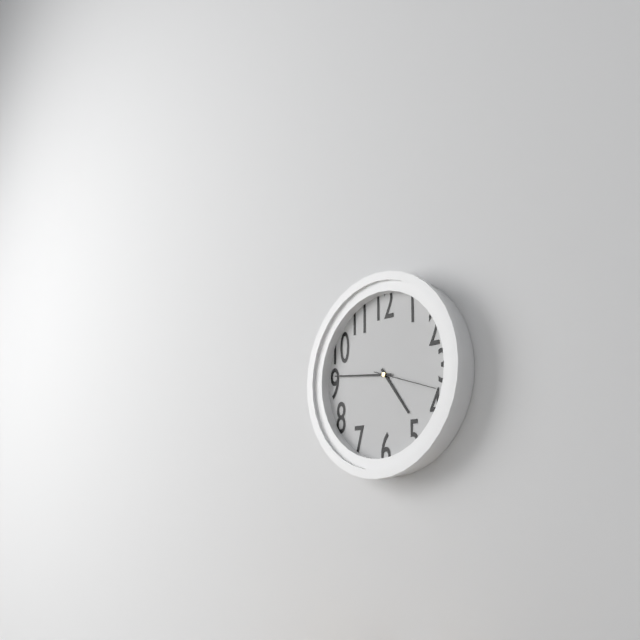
4h46m18s
